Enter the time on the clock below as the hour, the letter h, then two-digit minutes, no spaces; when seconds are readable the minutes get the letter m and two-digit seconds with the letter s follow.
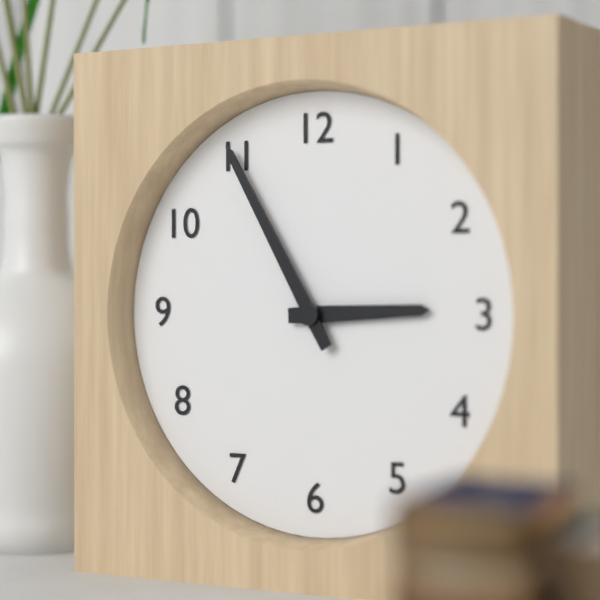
2h55
